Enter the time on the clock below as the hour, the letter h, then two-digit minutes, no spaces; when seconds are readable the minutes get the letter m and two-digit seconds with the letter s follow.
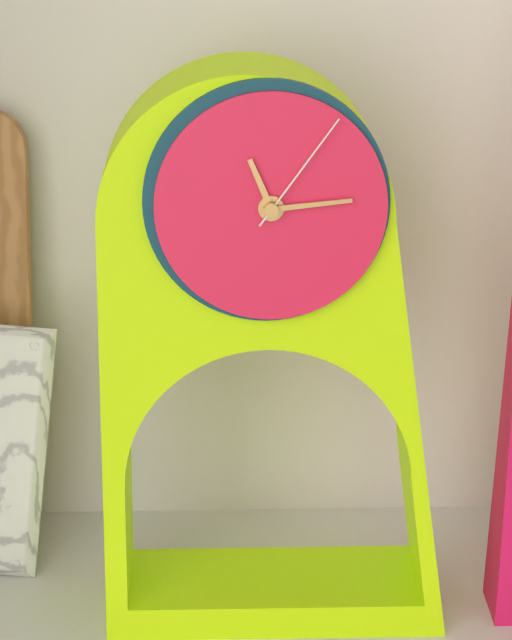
11h14m06s
